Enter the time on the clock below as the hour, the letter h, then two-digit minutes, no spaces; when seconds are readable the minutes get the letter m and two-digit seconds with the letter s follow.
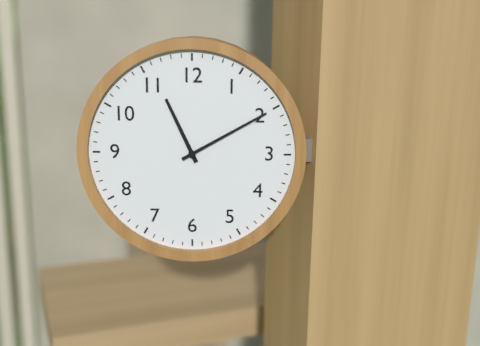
11h10
